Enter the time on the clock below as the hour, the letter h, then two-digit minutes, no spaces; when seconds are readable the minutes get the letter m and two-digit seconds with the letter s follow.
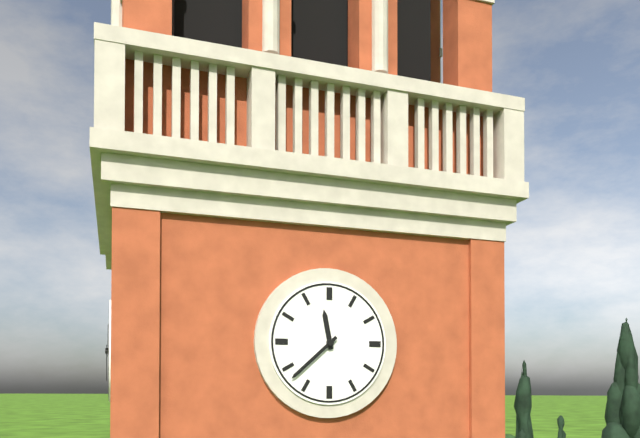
11h38
